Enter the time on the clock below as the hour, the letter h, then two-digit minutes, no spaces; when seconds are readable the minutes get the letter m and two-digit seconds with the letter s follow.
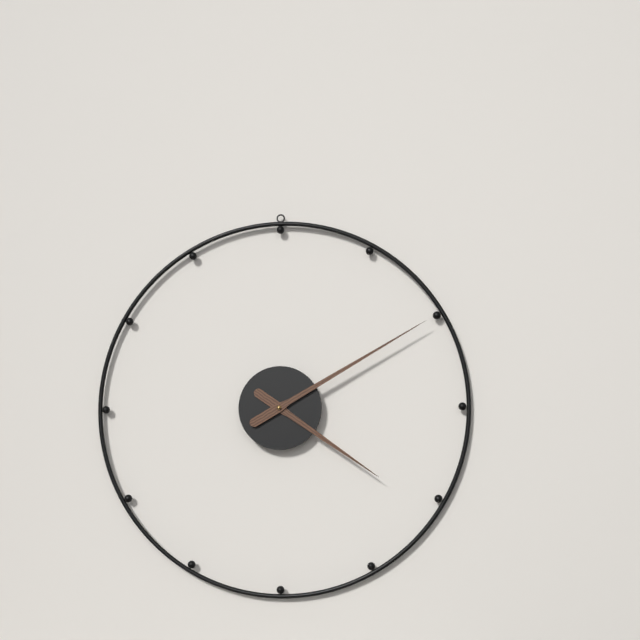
4h10
